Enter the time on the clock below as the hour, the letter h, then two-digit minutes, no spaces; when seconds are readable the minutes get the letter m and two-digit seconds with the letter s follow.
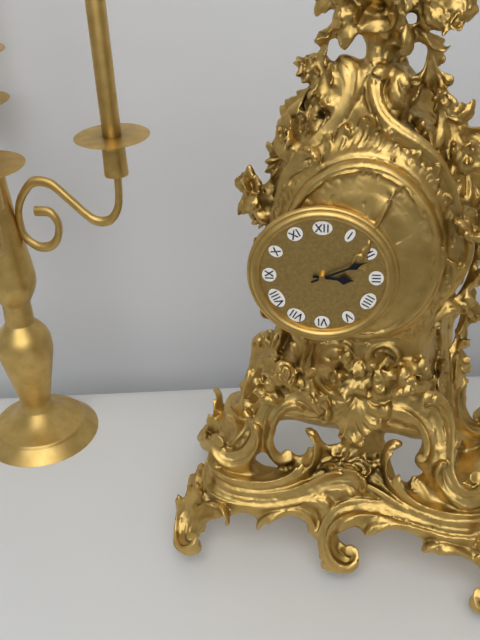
3h11
